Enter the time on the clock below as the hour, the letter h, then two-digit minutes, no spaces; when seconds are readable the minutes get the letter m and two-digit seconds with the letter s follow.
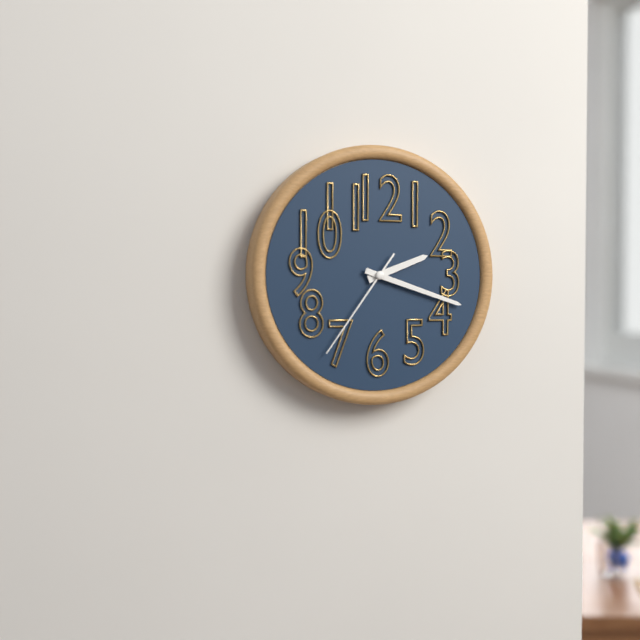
2h18m36s
